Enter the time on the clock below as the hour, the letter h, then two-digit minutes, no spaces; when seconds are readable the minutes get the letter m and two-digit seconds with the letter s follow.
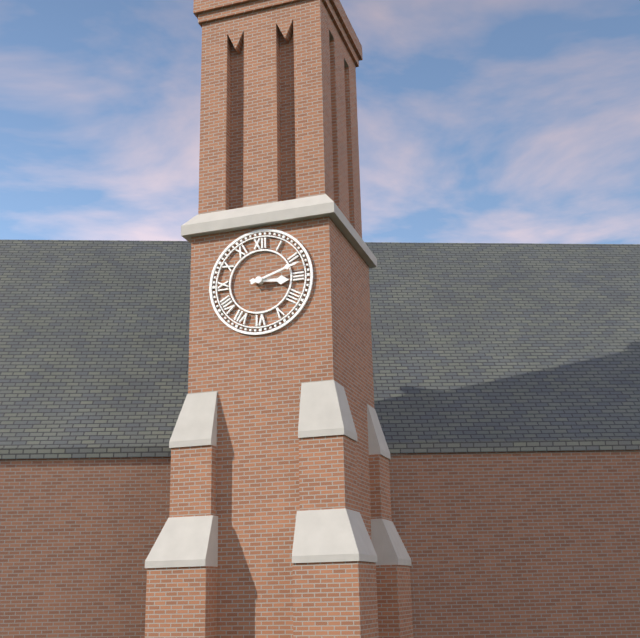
3h12
